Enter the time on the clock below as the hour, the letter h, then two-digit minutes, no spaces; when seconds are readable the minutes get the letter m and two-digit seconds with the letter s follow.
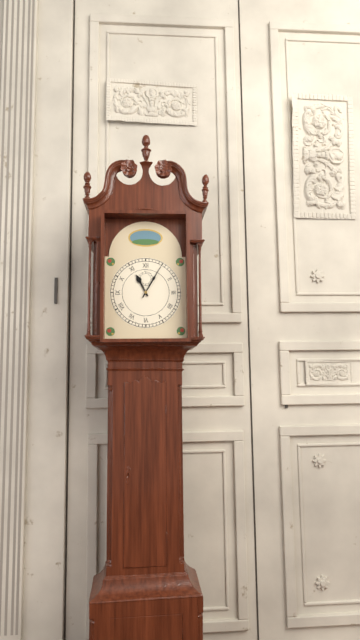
11h05
